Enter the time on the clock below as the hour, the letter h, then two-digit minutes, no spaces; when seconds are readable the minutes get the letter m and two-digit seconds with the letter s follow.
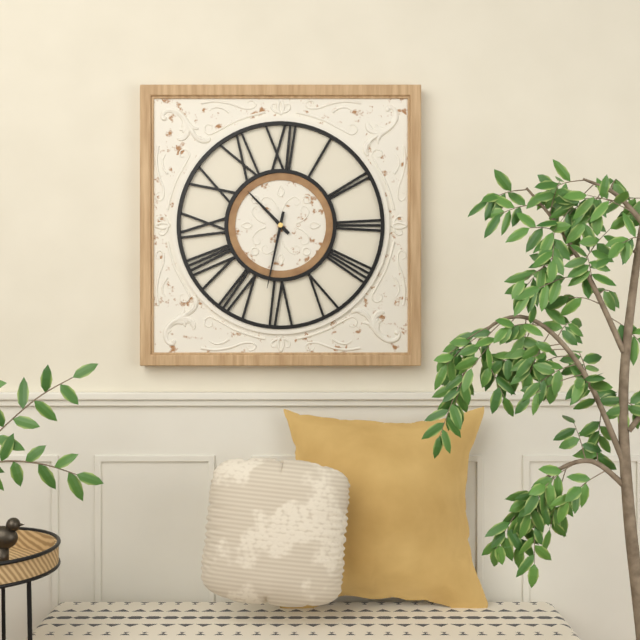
10h32
